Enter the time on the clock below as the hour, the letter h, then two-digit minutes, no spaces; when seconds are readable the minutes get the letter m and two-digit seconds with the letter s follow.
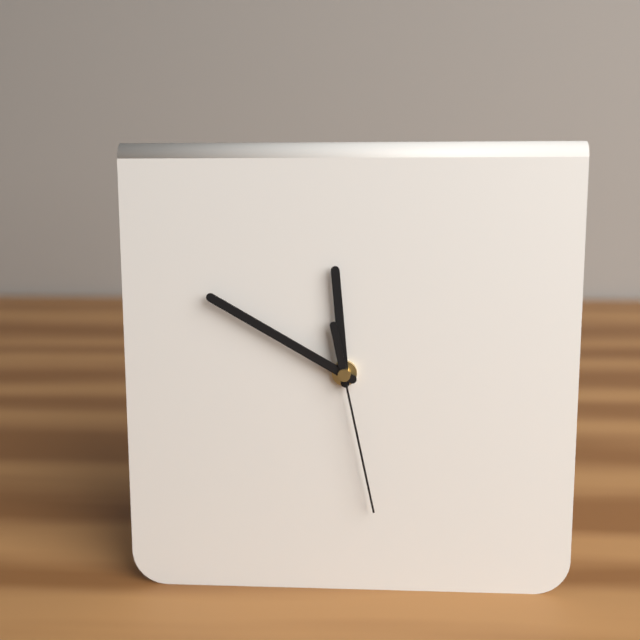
11h50m28s
